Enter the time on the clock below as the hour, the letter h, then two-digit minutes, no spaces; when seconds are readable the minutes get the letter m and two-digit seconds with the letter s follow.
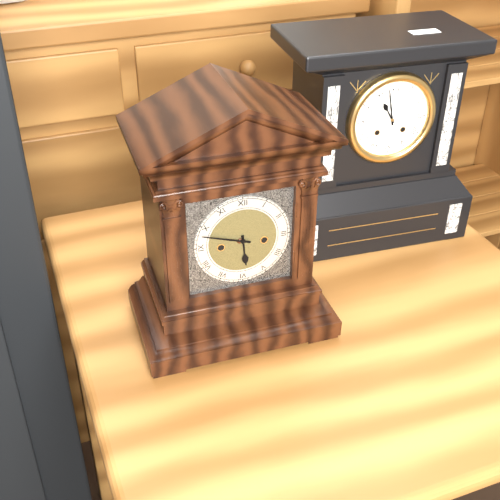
5h48
